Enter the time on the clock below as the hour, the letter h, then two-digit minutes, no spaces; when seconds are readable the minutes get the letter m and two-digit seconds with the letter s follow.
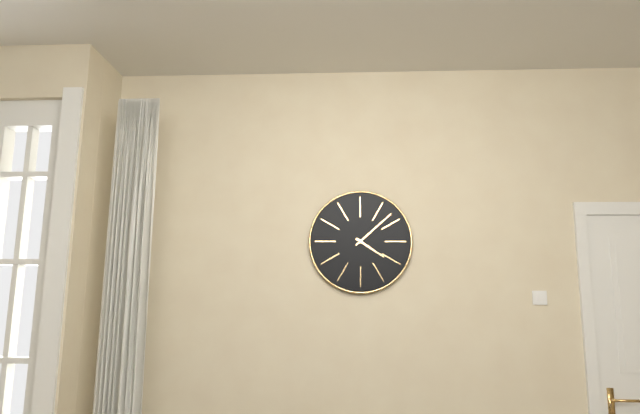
4h08
